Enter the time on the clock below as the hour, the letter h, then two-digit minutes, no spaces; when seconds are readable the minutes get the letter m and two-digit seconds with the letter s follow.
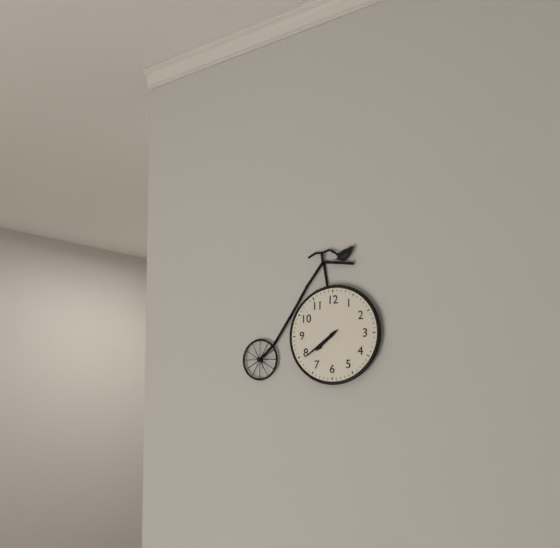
7h39
